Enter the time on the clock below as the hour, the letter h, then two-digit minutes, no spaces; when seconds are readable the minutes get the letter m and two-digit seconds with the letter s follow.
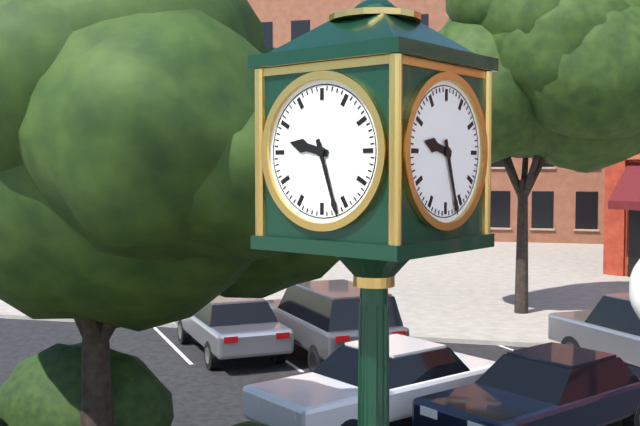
9h27
